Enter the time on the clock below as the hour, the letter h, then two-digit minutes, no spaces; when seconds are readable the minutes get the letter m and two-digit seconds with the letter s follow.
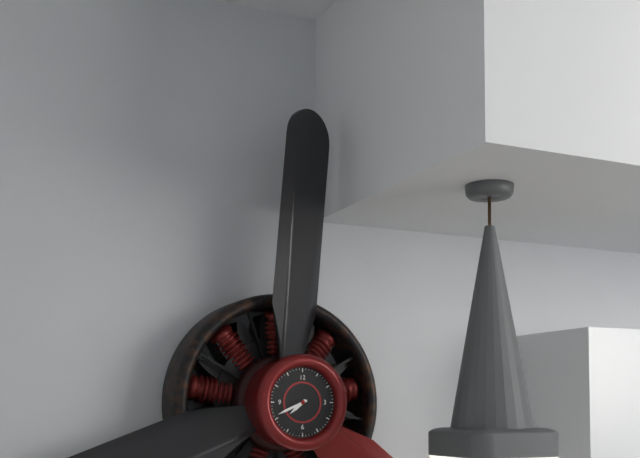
7h41
